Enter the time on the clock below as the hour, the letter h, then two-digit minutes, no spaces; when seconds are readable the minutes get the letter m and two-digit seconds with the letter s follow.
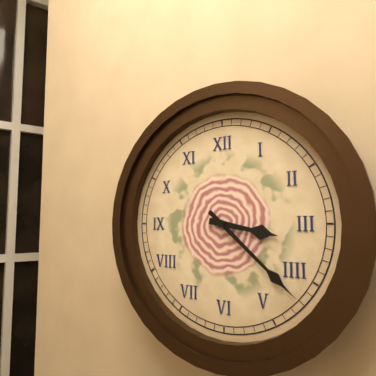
3h22
